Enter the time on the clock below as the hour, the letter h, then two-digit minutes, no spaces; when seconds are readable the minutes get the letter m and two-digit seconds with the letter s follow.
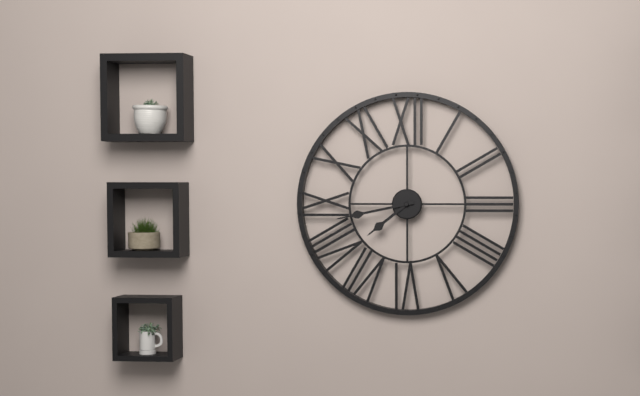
7h43
